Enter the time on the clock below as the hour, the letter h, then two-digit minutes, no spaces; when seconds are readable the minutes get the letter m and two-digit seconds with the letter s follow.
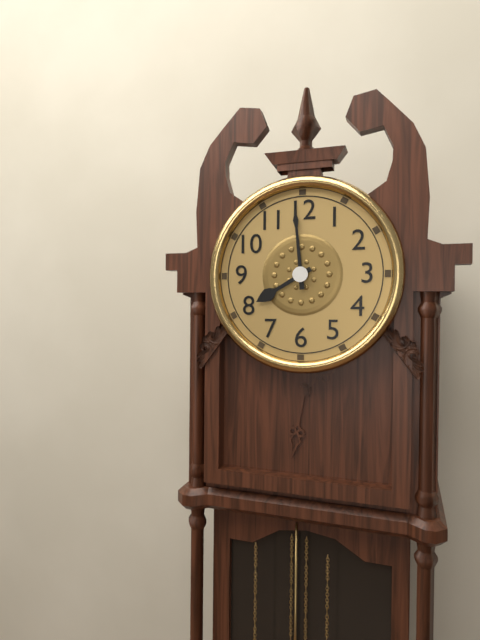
7h59
